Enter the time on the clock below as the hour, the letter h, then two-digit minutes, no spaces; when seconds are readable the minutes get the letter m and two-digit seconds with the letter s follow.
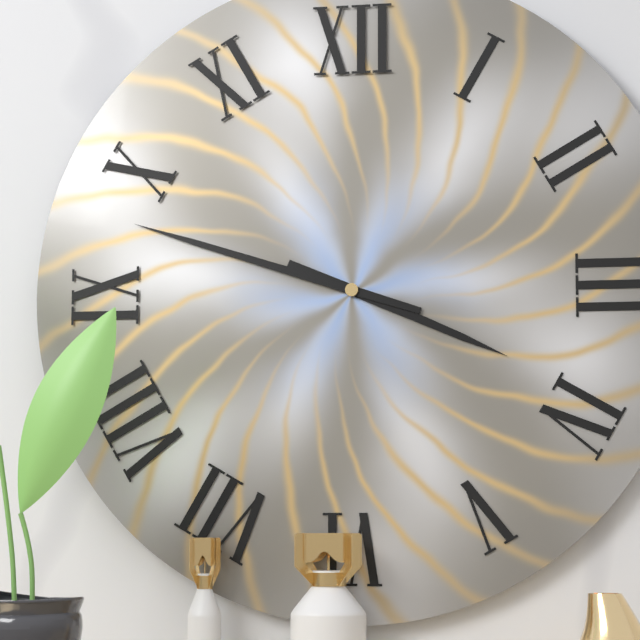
3h48
